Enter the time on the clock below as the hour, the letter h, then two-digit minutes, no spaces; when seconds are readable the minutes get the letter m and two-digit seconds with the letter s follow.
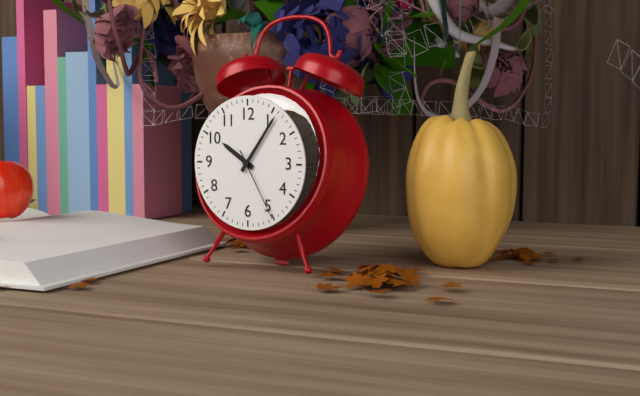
10h06m25s
